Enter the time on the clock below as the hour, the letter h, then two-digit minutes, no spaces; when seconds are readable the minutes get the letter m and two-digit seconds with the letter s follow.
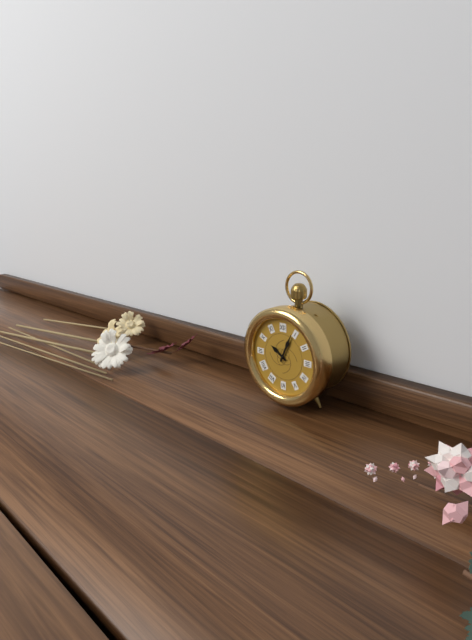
10h04
